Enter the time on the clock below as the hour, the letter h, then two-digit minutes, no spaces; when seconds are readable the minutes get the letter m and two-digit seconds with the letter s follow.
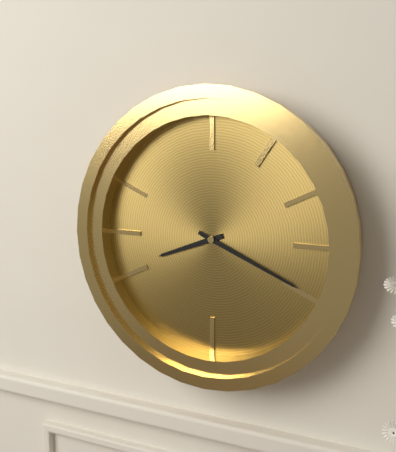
8h19
